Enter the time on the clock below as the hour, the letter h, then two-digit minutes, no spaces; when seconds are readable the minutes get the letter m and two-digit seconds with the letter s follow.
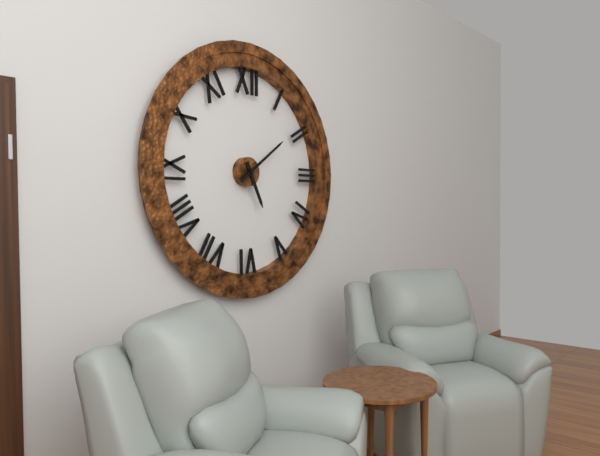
5h09
